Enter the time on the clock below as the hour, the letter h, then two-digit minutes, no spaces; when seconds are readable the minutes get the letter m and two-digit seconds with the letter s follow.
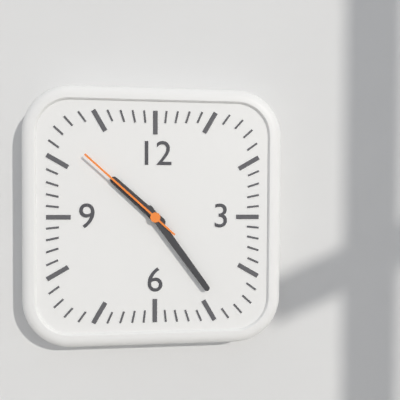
10h24m52s
